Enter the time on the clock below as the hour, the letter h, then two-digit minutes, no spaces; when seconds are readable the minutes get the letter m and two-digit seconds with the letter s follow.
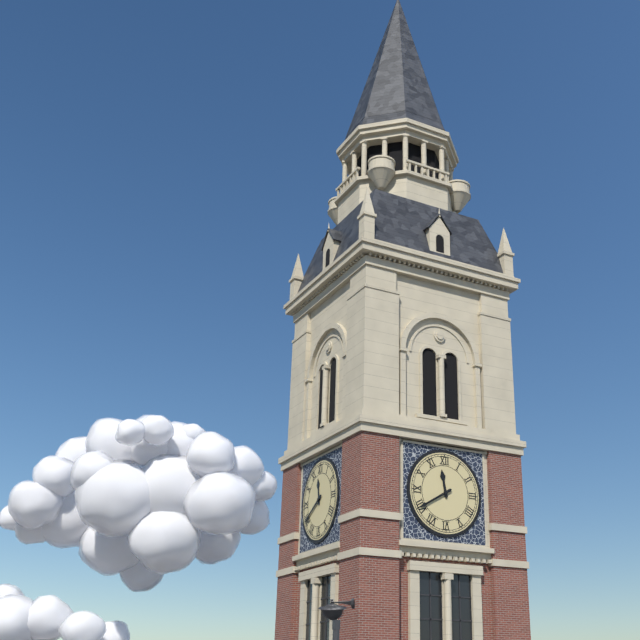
11h40
